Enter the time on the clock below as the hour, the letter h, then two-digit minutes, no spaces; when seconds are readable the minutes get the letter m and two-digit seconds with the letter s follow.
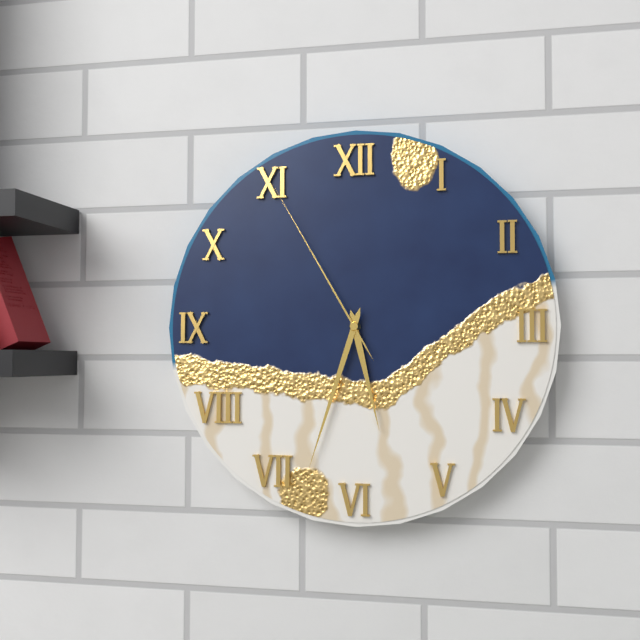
5h33m55s
